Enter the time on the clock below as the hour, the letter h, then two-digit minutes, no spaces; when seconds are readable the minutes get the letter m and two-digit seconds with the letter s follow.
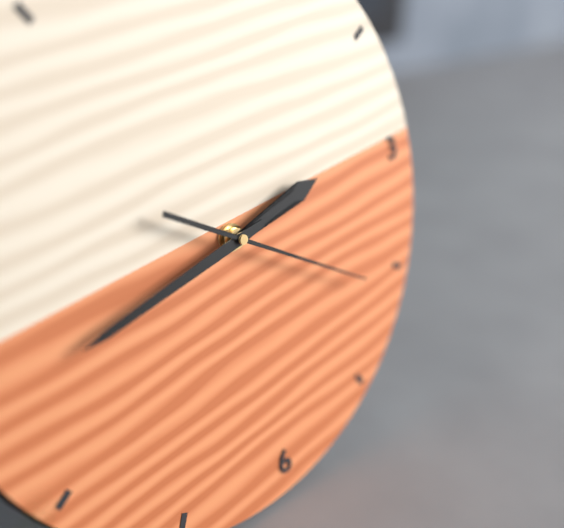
2h44m21s
